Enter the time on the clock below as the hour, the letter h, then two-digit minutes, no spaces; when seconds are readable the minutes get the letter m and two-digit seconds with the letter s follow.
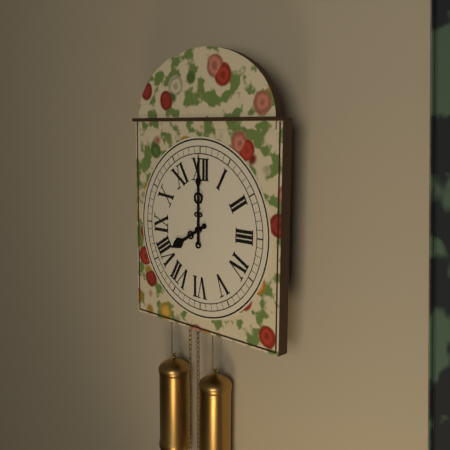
8h00
